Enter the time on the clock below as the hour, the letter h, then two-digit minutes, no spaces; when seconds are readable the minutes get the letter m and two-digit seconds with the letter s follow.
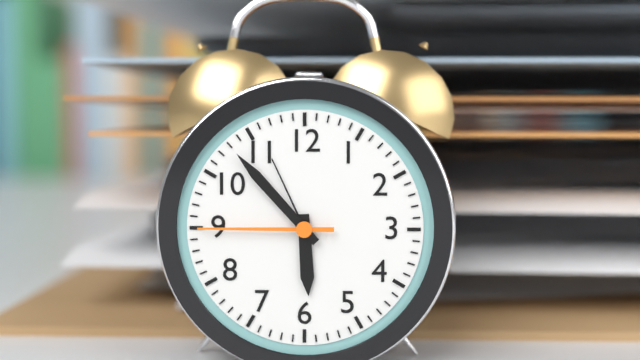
5h53m45s
